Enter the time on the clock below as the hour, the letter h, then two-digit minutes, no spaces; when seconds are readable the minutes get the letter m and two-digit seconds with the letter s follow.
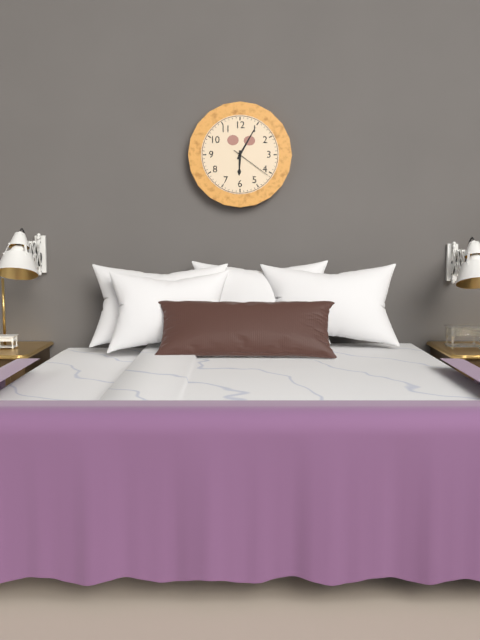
6h05
